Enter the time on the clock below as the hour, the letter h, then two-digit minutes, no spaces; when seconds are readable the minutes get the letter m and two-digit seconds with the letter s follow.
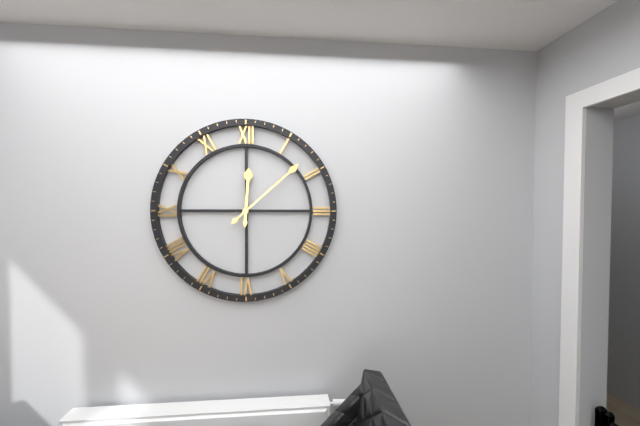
12h08
